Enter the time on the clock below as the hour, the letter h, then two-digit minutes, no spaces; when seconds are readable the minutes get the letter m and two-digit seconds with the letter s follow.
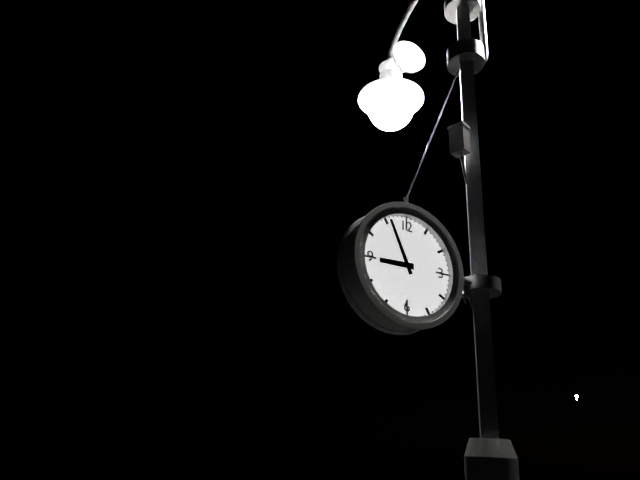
8h56
